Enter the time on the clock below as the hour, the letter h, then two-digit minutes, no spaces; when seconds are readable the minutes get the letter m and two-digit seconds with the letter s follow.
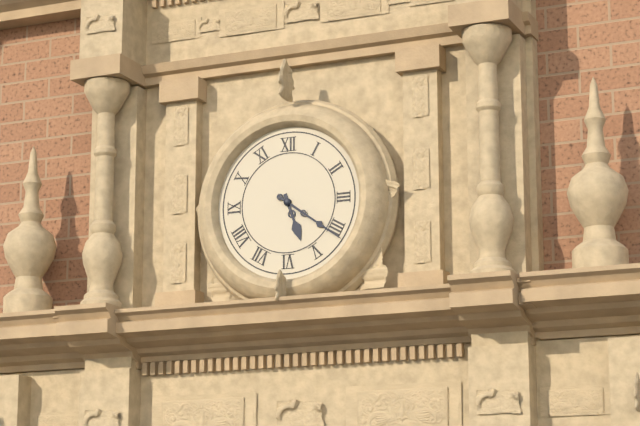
5h21
